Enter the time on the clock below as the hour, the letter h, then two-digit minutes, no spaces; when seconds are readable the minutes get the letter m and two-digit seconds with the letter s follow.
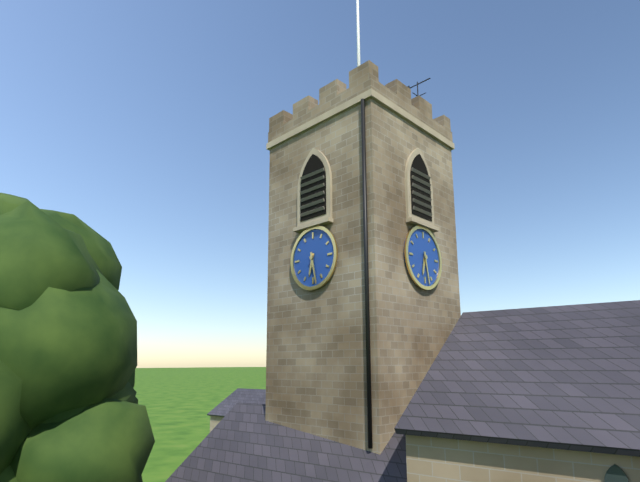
6h28
